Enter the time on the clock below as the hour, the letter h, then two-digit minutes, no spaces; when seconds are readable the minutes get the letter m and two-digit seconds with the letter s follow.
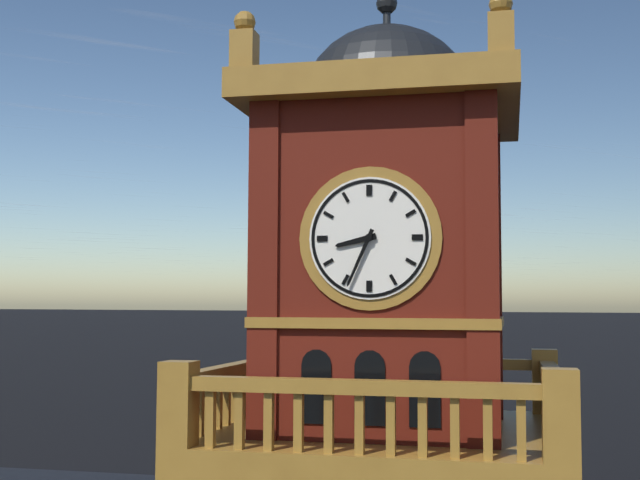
8h34
